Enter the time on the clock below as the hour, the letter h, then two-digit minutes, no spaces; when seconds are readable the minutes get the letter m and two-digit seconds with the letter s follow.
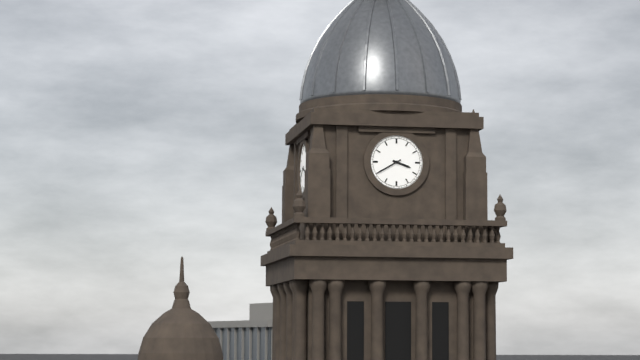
3h40
